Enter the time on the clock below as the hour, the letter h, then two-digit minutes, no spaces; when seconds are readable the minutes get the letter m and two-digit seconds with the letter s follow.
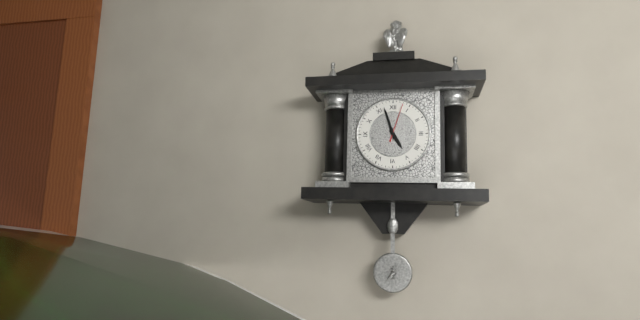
4h57
